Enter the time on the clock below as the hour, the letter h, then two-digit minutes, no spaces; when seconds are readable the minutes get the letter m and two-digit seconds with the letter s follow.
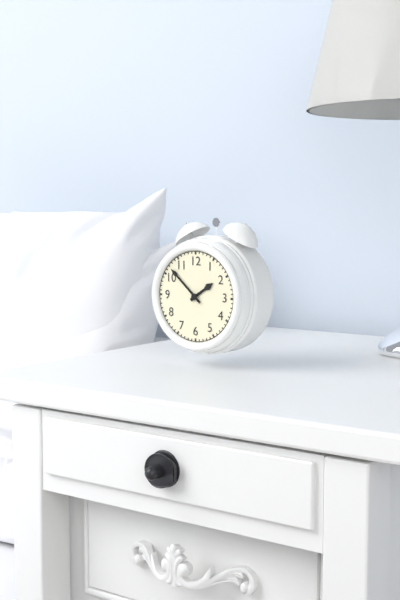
1h52
